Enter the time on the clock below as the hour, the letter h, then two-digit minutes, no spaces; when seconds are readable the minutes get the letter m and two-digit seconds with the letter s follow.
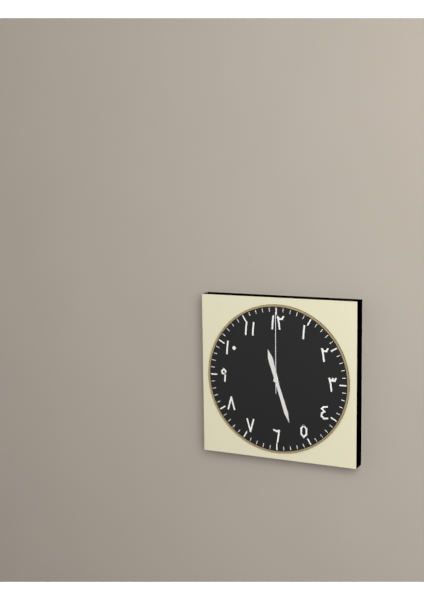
11h27m00s
